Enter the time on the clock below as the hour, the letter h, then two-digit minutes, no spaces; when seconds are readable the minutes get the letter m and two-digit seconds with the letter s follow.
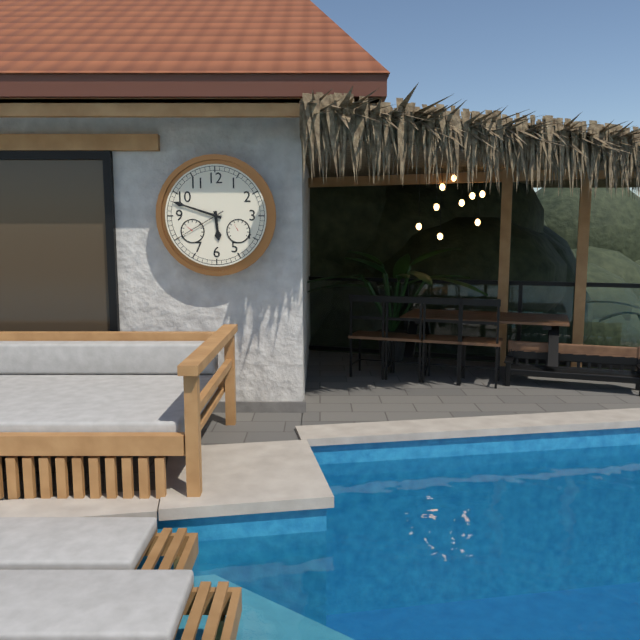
5h48m40s
